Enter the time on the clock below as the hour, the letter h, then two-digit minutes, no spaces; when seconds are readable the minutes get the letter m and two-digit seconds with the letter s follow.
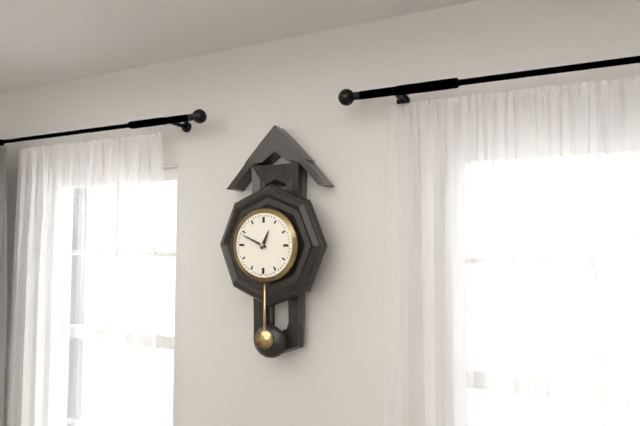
12h49
